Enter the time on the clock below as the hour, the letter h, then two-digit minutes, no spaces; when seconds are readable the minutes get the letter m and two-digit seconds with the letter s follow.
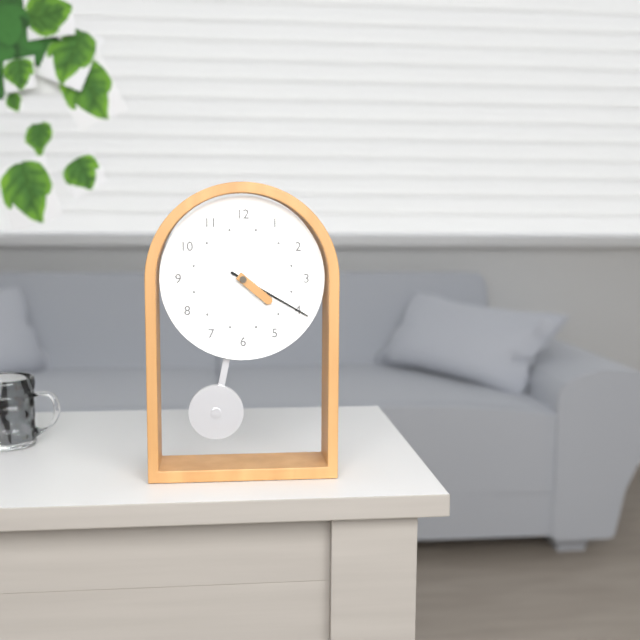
4h20
